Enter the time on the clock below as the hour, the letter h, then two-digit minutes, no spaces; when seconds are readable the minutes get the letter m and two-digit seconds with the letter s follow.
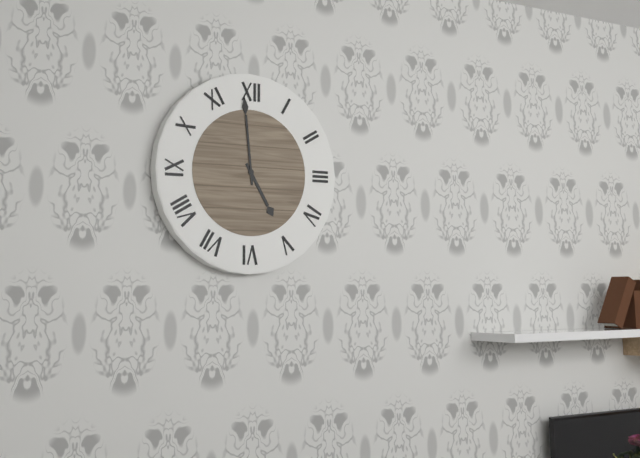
4h59
